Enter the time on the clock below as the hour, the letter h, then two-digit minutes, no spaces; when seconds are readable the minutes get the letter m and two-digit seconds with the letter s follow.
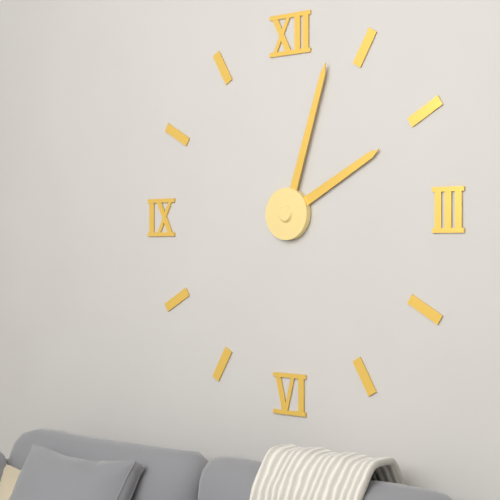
2h03
